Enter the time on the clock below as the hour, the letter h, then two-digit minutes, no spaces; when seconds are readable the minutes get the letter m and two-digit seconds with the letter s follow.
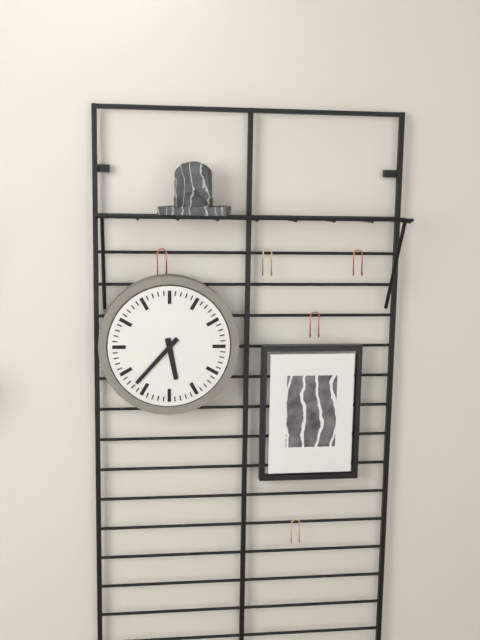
5h37
